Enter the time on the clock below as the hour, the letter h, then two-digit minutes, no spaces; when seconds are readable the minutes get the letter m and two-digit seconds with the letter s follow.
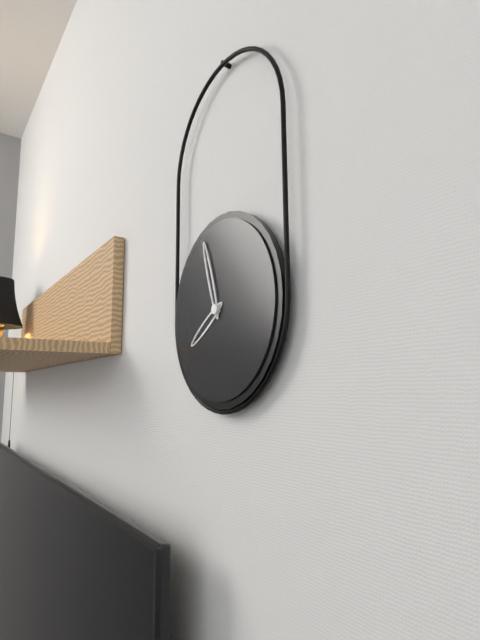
7h57
